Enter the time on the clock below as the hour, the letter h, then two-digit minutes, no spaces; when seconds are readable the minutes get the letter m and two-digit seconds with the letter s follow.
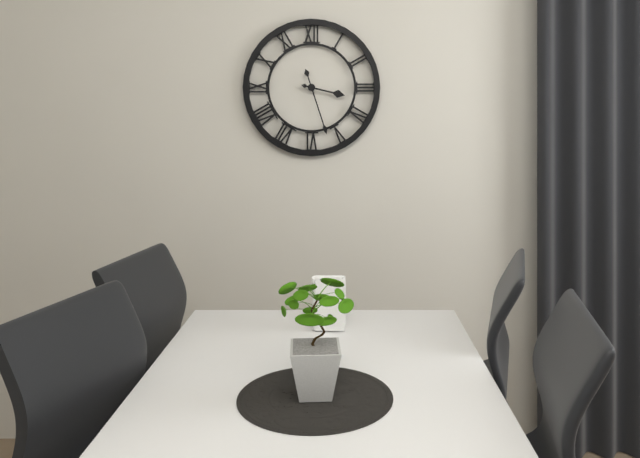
3h27
